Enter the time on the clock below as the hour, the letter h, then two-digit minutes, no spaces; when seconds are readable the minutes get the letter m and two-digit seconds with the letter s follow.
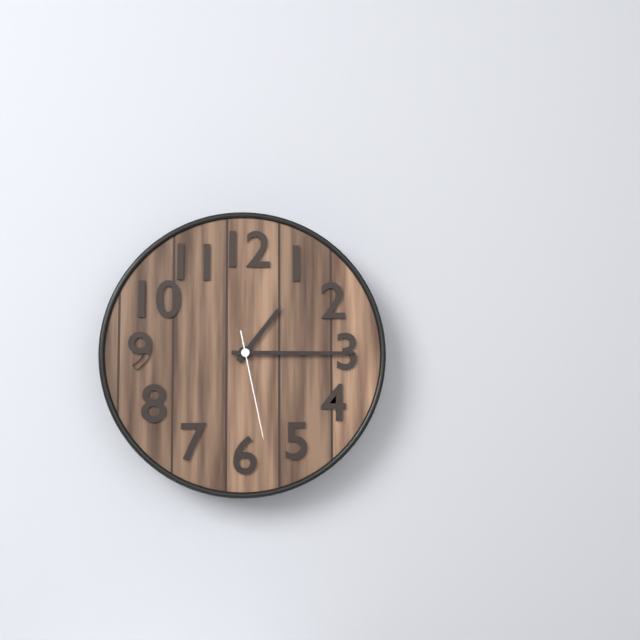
1h15m28s
